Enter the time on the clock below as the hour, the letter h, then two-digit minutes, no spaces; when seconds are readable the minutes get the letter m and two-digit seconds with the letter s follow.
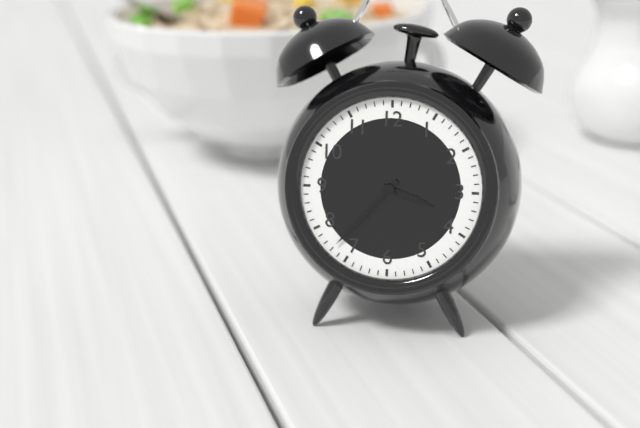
3h37
